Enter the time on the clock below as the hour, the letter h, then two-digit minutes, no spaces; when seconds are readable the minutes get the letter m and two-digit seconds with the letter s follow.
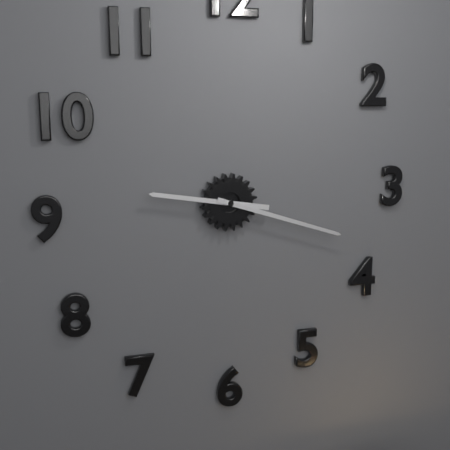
9h18
